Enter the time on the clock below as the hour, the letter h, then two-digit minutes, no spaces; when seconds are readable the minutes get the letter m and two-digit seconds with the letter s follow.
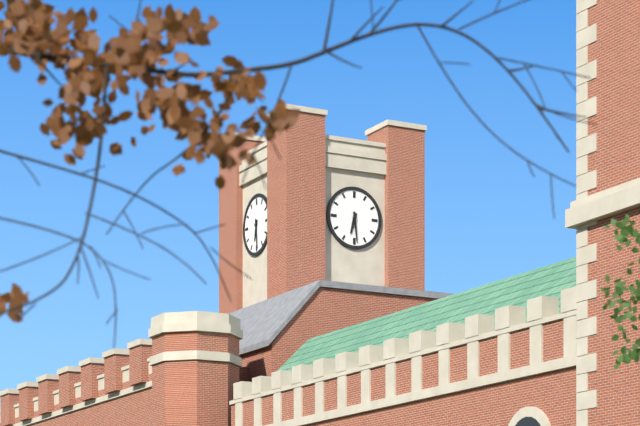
6h29
